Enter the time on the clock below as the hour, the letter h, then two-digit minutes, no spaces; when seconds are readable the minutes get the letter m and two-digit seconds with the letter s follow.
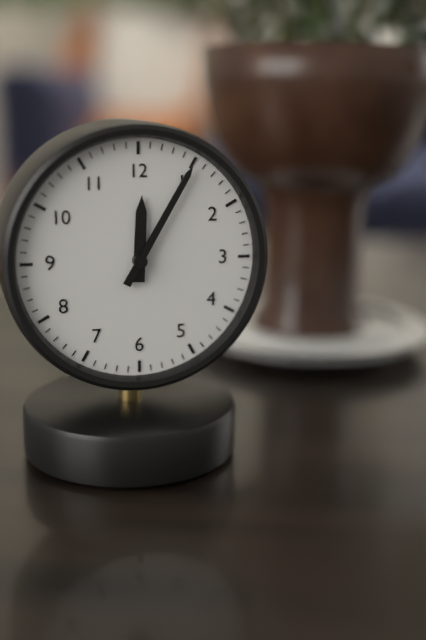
12h05
